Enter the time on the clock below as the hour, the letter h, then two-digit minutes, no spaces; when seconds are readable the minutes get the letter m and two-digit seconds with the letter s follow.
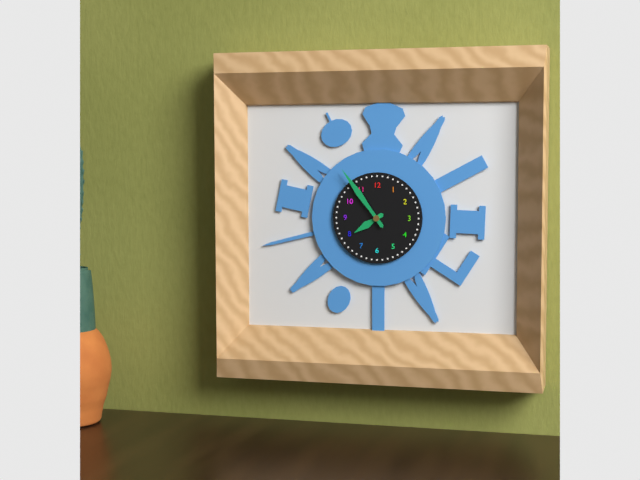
7h54
